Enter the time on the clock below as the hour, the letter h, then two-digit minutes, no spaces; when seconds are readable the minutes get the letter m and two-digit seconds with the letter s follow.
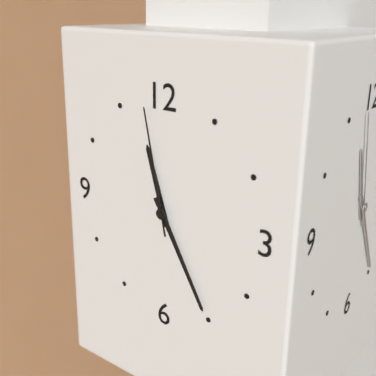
11h25m58s
